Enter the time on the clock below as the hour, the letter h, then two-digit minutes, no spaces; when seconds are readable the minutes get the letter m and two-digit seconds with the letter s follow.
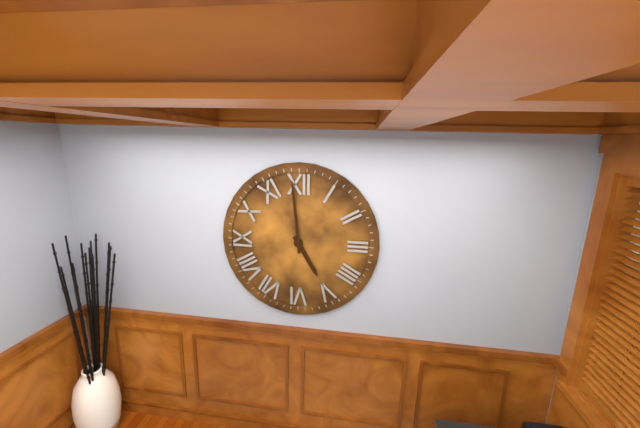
4h59
